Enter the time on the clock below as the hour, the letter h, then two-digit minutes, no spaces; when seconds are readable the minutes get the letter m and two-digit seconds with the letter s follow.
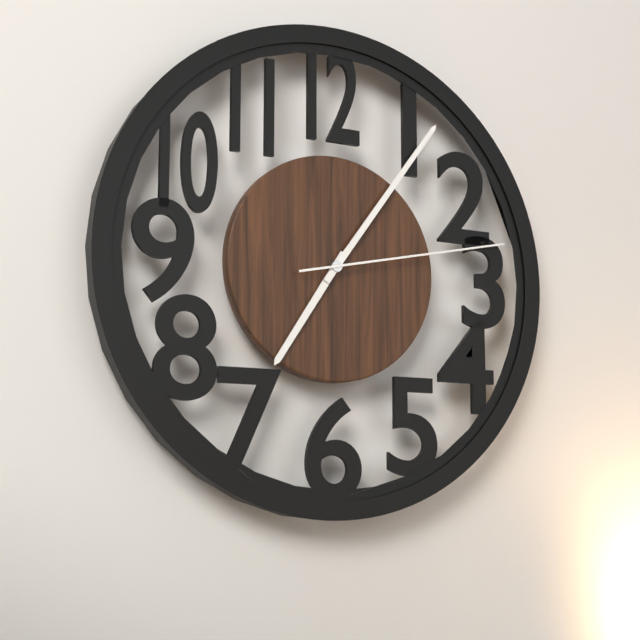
7h06m13s
